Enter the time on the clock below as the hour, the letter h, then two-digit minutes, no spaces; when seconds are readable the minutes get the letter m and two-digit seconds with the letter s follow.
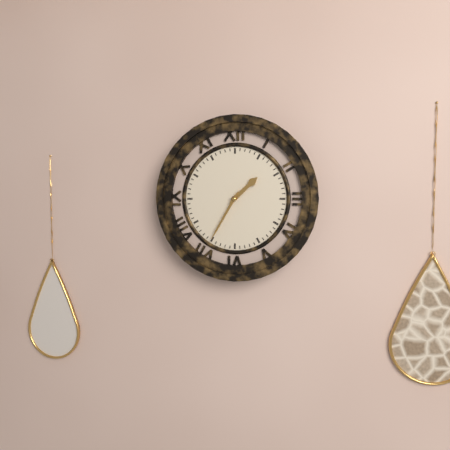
1h35
